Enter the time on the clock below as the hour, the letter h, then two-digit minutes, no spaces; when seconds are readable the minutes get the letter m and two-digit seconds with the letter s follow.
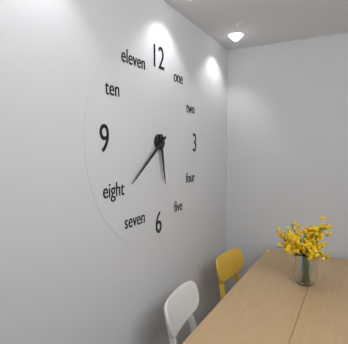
5h39
